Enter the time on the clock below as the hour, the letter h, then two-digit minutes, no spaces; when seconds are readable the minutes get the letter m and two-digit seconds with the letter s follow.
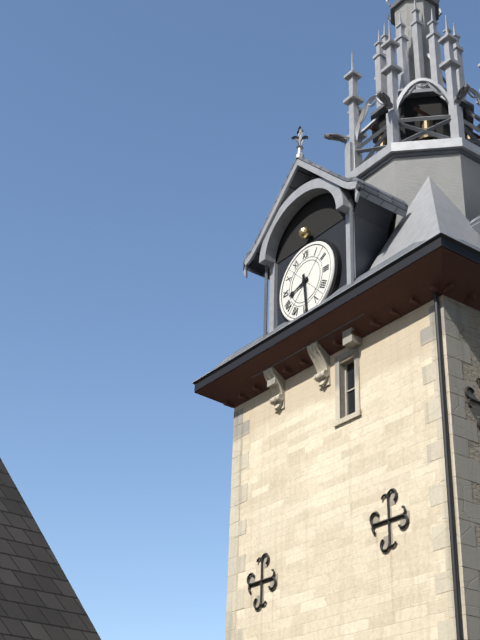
8h29
